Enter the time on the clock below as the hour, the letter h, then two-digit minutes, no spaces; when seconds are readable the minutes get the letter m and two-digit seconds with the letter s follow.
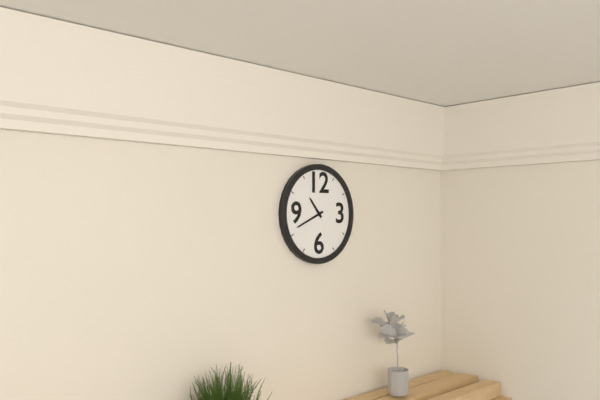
10h41
